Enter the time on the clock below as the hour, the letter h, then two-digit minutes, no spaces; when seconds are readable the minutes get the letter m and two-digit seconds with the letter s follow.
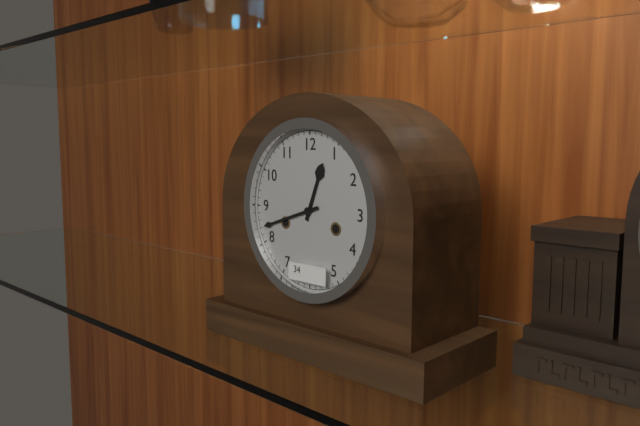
12h42
